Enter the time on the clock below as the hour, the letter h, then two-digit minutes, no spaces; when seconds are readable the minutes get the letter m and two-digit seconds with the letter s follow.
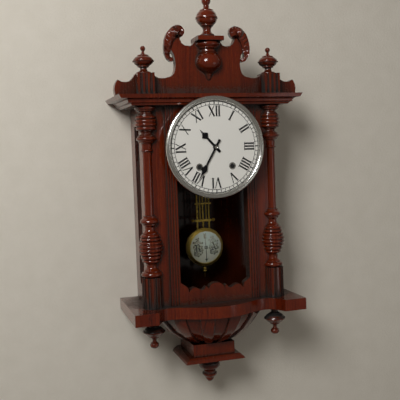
10h35
